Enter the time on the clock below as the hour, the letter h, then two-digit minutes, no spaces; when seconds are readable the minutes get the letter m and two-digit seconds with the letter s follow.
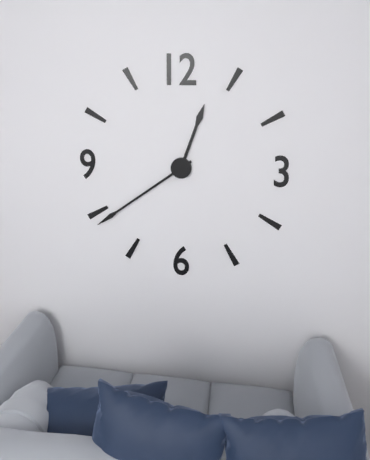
12h39
